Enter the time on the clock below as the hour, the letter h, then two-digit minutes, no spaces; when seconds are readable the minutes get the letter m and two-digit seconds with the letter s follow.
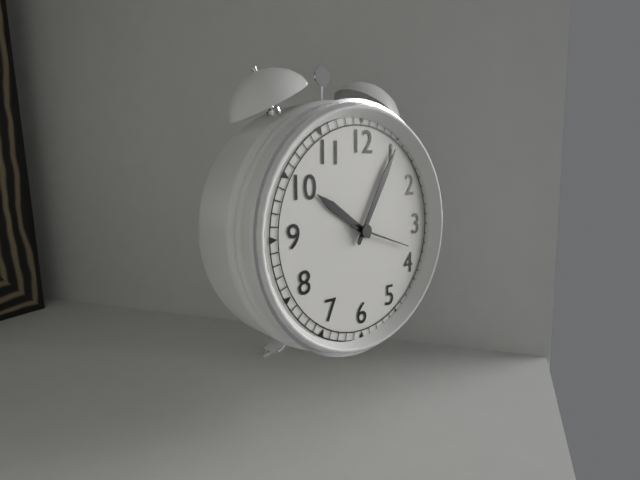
10h05m18s
